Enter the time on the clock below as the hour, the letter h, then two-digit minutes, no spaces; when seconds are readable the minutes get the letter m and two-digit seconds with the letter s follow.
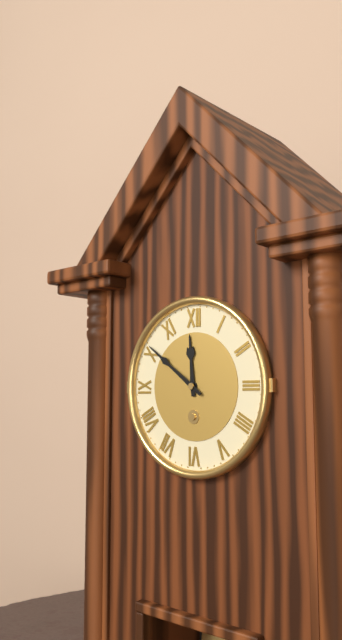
11h51
